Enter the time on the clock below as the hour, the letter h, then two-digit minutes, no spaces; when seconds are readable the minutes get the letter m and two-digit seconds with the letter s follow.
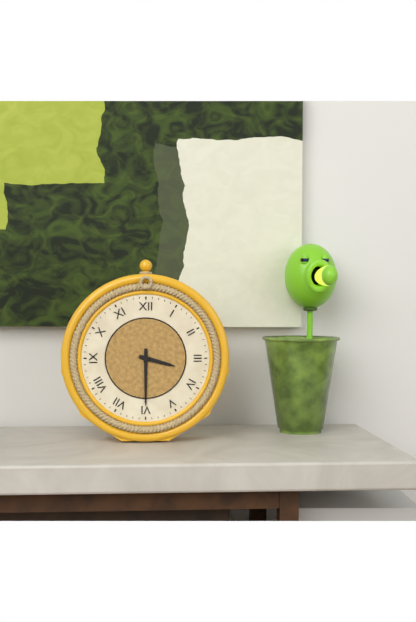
3h30
